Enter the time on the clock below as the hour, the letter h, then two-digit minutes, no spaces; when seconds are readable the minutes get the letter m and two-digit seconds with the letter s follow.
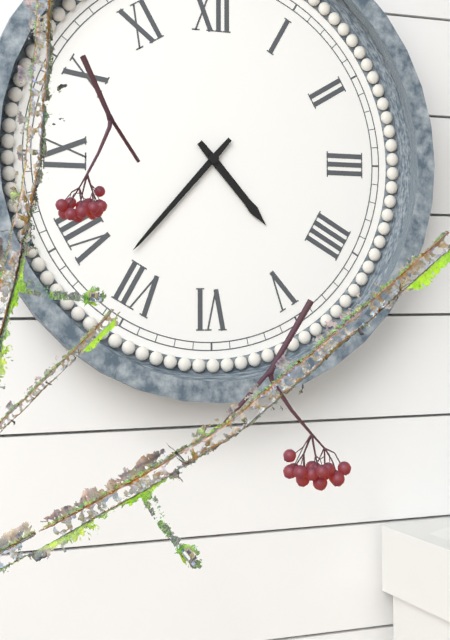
4h37
